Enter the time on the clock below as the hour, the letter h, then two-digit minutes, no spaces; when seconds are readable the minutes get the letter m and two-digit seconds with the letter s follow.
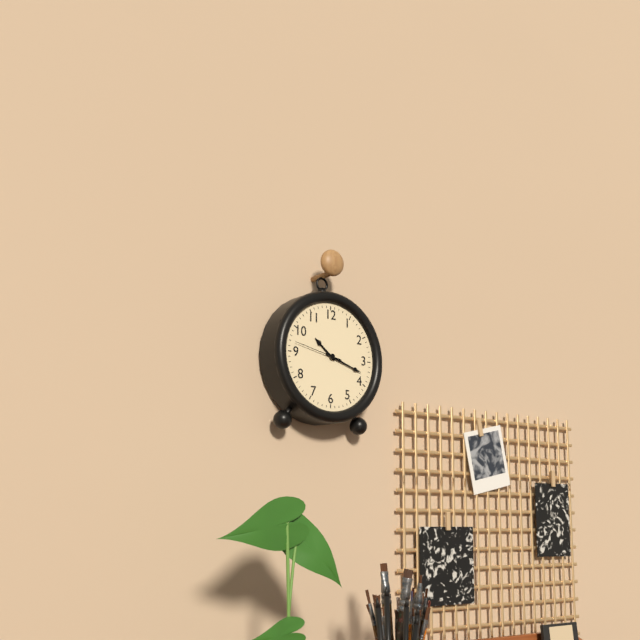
10h18
